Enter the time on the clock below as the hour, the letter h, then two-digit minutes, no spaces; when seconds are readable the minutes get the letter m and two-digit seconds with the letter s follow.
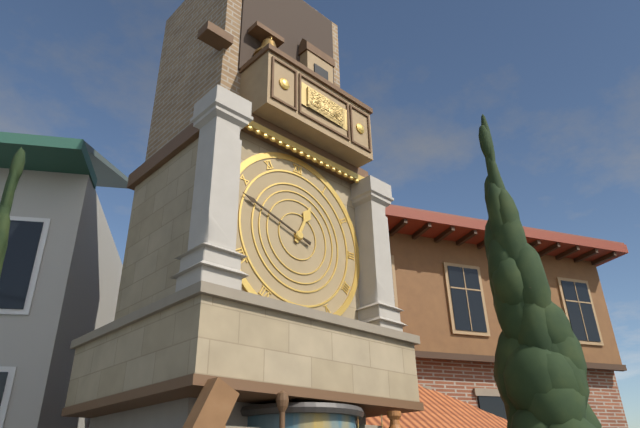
12h48
